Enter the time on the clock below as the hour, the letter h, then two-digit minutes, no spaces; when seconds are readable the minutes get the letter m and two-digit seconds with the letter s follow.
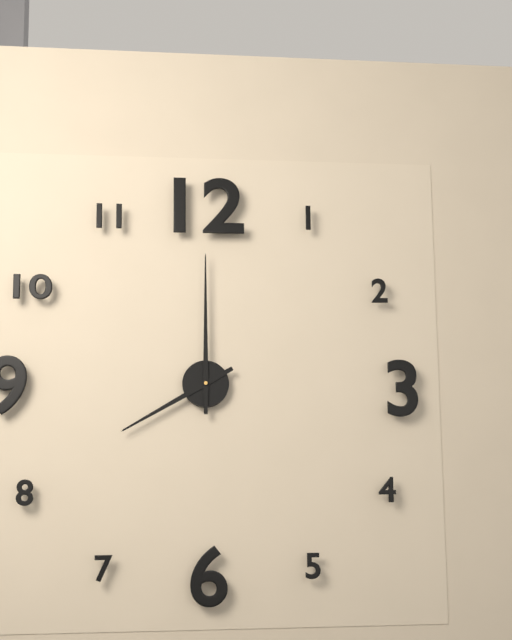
8h00
